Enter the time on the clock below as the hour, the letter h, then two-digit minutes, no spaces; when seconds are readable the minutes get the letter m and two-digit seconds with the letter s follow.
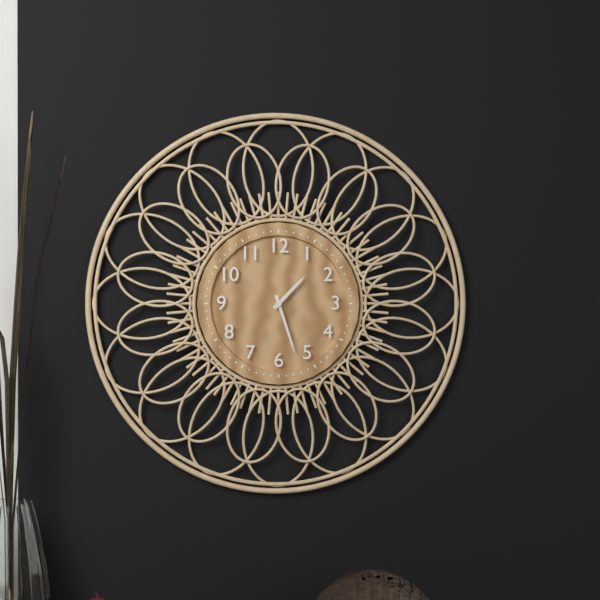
1h27
